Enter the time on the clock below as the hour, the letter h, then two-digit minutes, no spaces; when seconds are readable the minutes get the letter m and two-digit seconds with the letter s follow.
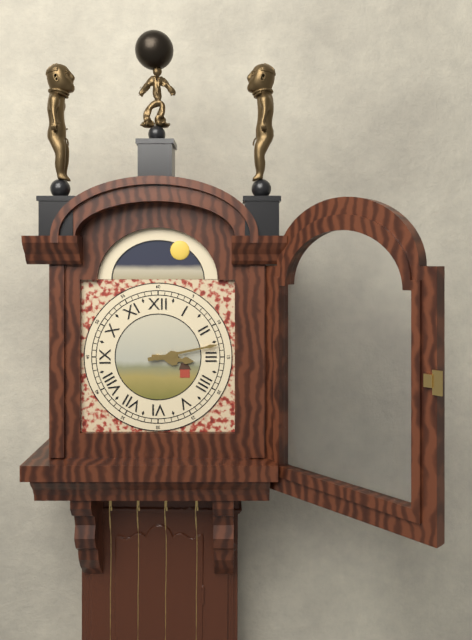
3h13
